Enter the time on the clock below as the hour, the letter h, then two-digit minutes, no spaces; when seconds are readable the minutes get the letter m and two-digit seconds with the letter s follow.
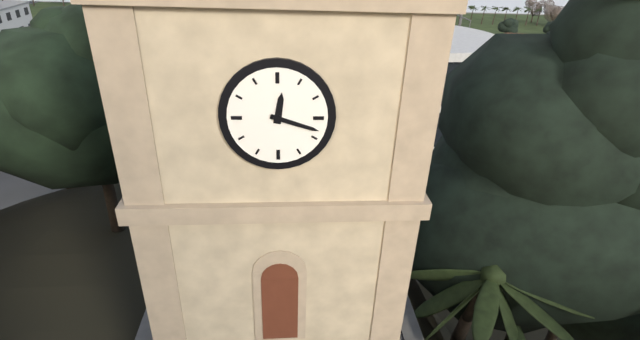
12h18
